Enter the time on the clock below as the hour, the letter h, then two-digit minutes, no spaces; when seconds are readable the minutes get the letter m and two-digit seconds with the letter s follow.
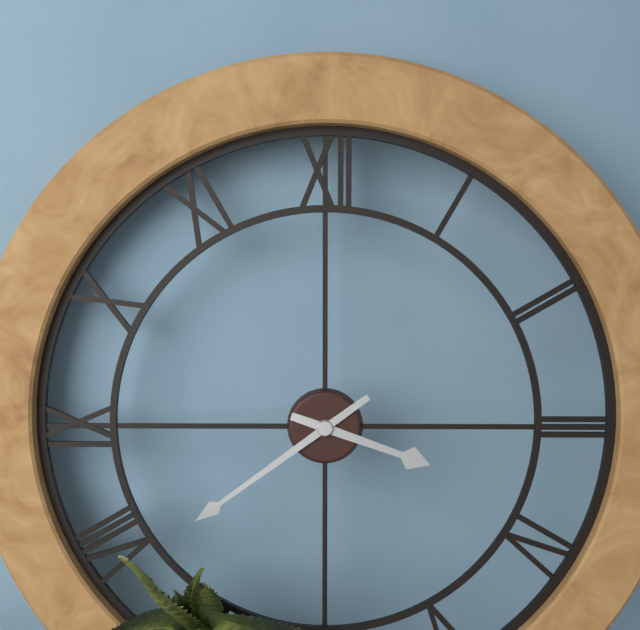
3h39
